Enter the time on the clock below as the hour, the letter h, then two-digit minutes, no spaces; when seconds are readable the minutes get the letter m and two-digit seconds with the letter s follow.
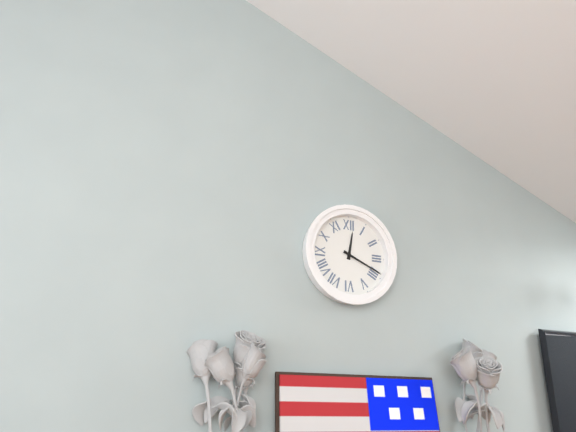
12h19
